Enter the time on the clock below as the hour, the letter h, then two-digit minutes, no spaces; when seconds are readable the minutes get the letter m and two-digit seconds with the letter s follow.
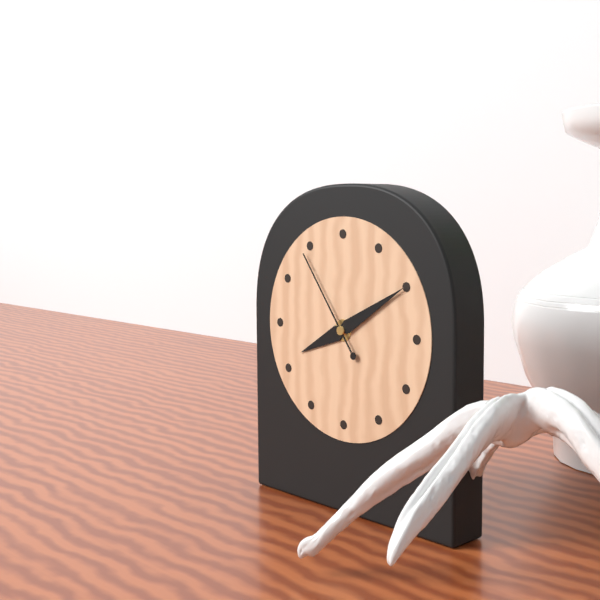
8h10m54s
